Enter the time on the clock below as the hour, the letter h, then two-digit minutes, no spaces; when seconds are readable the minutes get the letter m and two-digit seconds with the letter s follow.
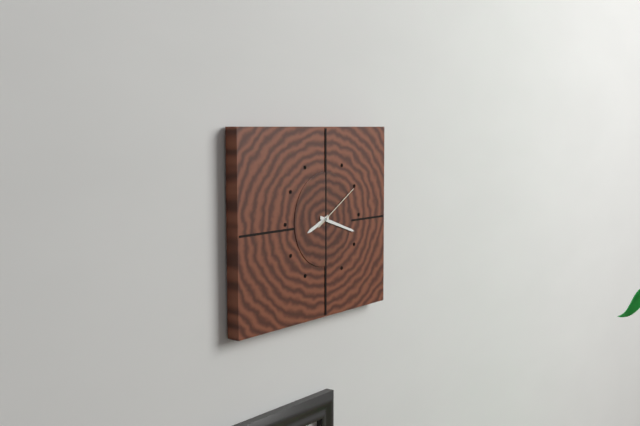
8h18m10s
